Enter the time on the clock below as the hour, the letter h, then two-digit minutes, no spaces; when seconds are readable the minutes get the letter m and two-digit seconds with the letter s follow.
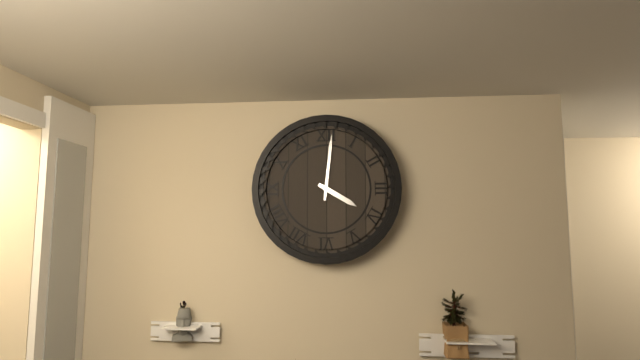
4h01
